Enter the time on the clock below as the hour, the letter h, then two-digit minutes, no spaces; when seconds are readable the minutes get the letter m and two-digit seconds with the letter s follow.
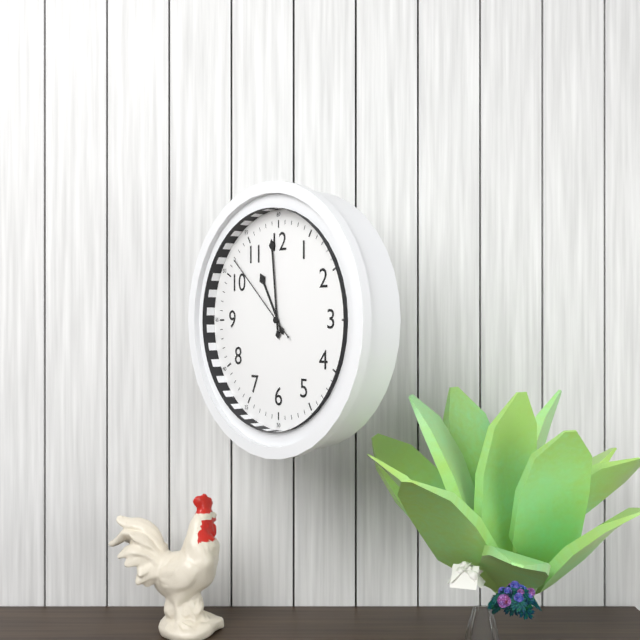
10h59m52s
